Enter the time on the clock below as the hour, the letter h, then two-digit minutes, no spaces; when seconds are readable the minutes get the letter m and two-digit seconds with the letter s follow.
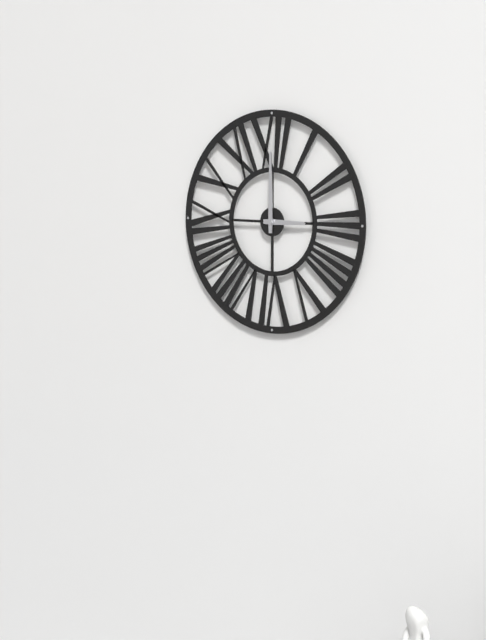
3h00
